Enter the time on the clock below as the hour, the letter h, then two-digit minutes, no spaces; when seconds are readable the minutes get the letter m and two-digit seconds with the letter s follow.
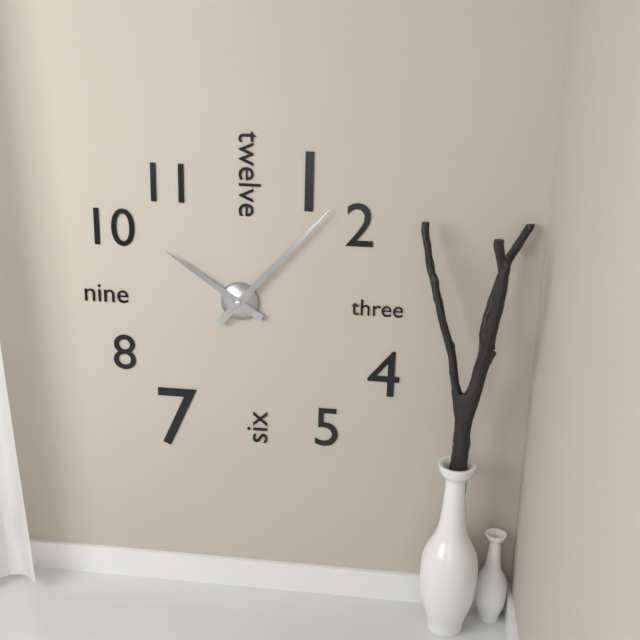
10h07
